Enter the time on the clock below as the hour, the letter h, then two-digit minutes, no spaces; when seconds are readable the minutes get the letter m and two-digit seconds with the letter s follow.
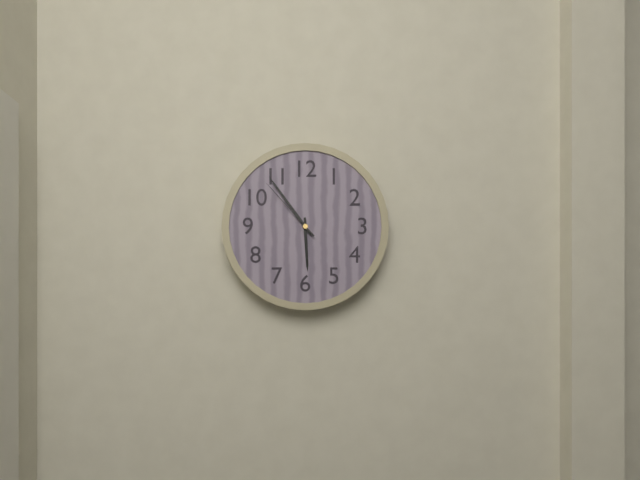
5h54m53s
